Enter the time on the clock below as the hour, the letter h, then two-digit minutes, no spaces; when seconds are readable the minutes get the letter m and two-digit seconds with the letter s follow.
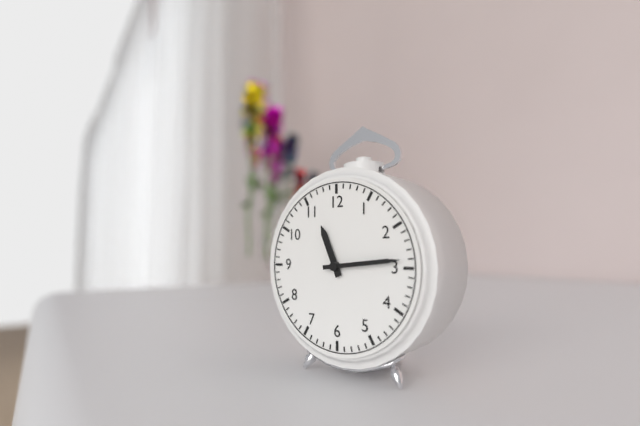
11h14
